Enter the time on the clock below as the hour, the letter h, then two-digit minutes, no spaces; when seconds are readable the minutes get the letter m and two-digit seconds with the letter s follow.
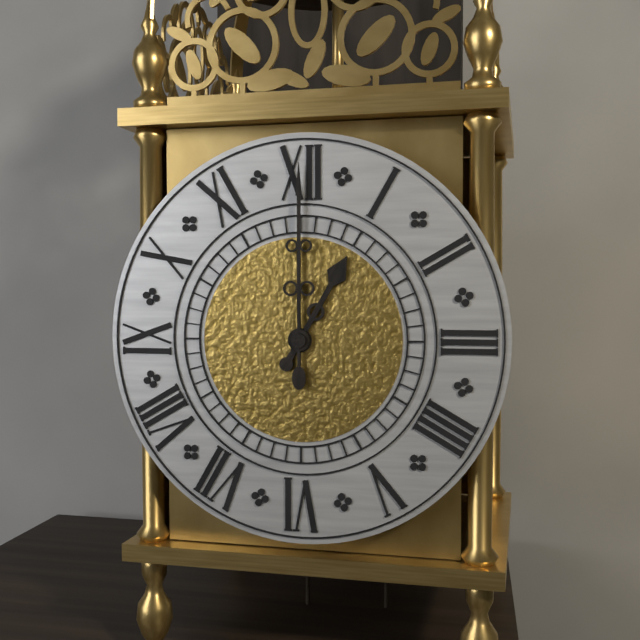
1h00
